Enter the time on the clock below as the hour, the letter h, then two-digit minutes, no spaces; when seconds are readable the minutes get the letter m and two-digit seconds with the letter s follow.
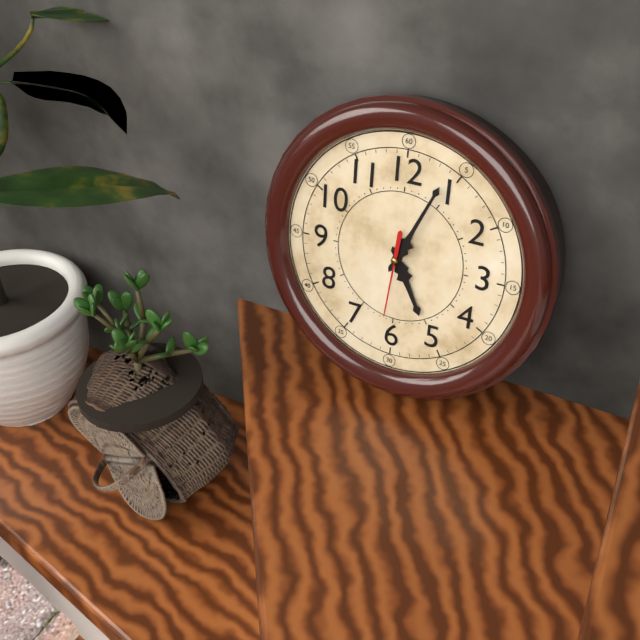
5h04m31s
